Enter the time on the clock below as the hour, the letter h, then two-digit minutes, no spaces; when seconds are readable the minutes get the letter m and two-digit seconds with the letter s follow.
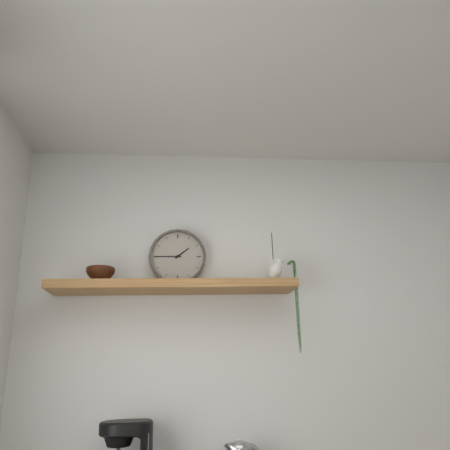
1h45
